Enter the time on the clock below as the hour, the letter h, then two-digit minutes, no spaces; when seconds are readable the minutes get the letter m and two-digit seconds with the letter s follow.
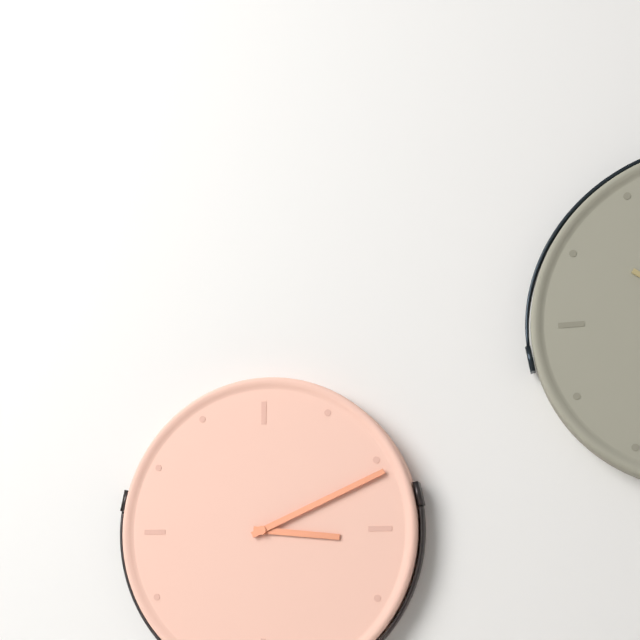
3h11
